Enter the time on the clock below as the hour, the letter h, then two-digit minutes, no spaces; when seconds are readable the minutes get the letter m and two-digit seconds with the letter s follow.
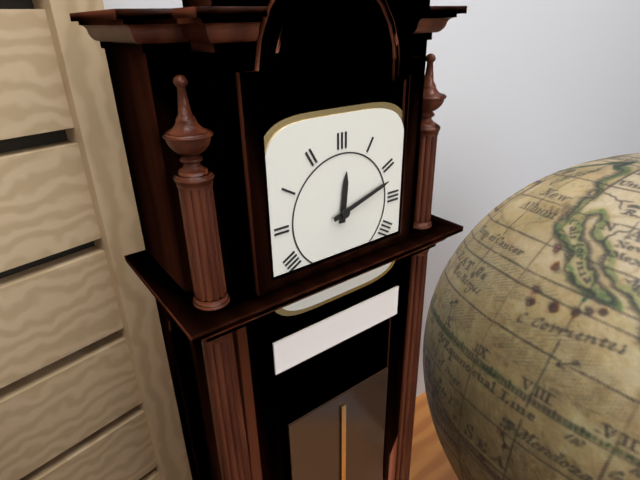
12h12
